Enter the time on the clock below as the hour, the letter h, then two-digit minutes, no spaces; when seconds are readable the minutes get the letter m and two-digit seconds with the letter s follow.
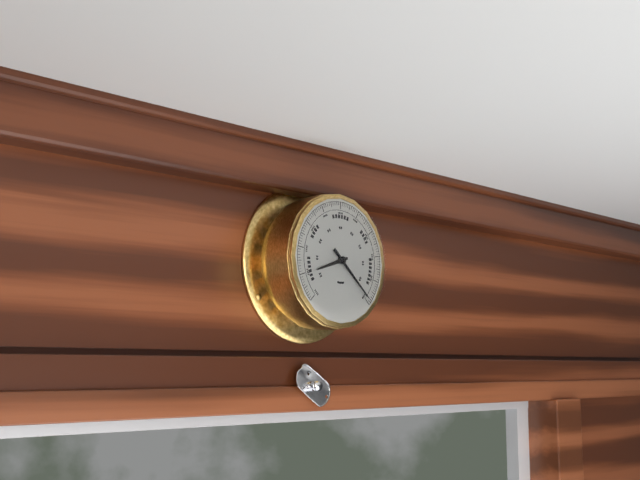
8h22
